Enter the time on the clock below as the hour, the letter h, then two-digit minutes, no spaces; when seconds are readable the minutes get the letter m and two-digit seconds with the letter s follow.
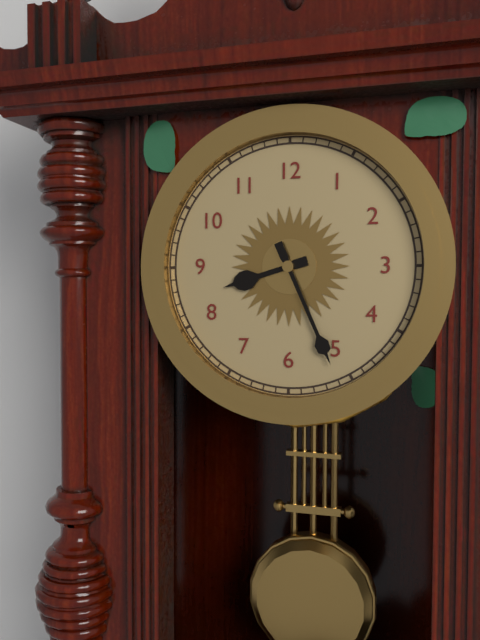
8h26
